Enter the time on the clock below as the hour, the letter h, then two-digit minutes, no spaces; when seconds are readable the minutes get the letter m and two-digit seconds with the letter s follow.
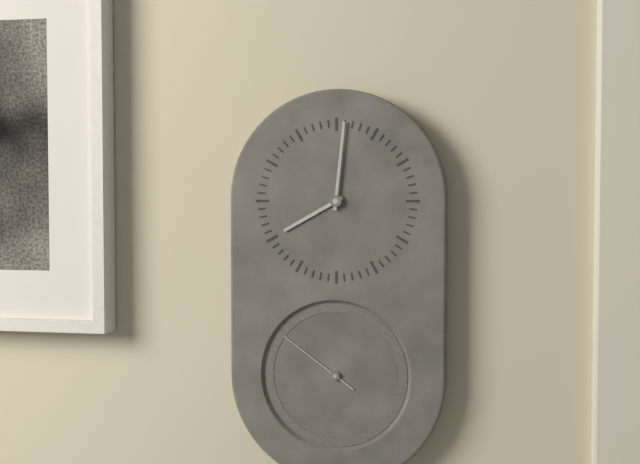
8h01m51s
